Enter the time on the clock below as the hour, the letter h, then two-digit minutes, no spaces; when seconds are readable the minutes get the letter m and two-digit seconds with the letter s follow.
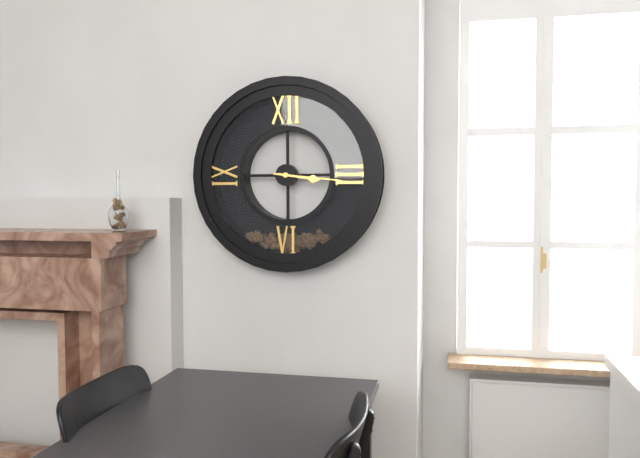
3h16
